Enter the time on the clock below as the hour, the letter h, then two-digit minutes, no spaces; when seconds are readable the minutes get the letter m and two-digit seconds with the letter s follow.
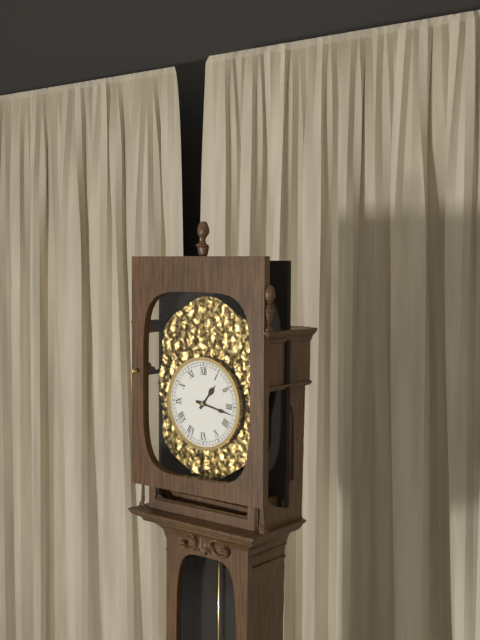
1h17
